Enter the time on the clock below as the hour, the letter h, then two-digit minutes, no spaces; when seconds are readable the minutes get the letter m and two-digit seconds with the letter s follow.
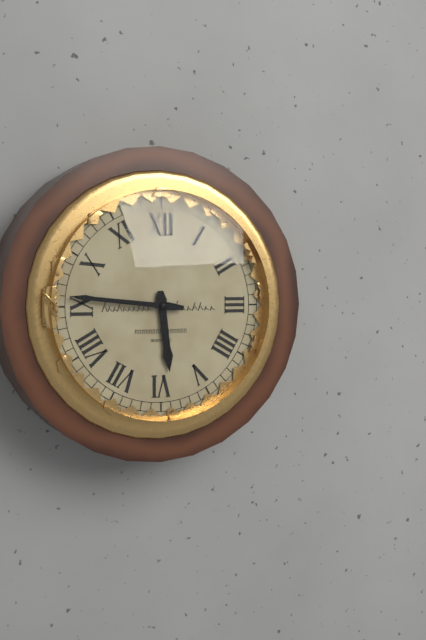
5h46
